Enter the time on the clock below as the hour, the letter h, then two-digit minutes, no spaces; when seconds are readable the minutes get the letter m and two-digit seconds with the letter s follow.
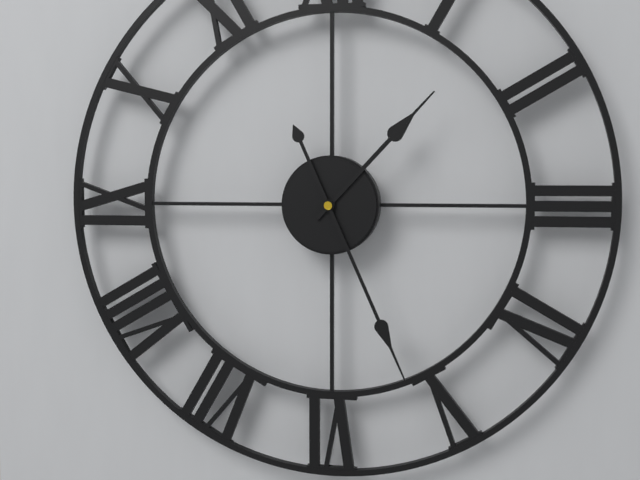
1h26
